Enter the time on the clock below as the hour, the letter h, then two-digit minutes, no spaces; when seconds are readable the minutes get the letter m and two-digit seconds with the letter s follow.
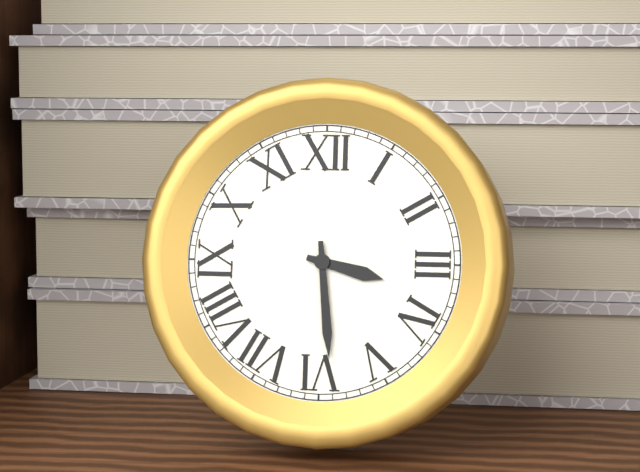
3h29
